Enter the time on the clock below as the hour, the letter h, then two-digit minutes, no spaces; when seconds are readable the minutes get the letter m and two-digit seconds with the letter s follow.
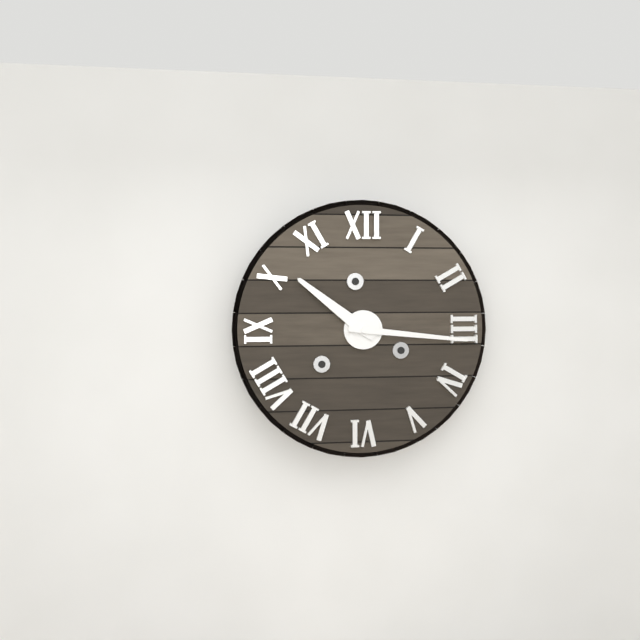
10h16
